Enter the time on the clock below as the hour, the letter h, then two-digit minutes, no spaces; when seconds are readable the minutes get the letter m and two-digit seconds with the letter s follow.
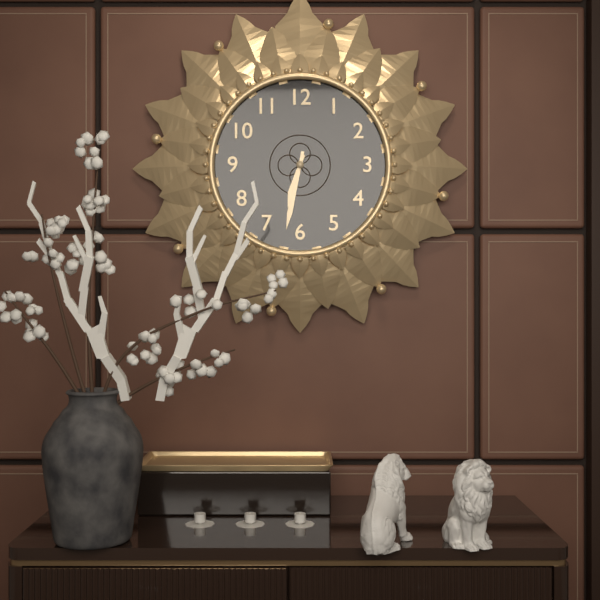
6h32
